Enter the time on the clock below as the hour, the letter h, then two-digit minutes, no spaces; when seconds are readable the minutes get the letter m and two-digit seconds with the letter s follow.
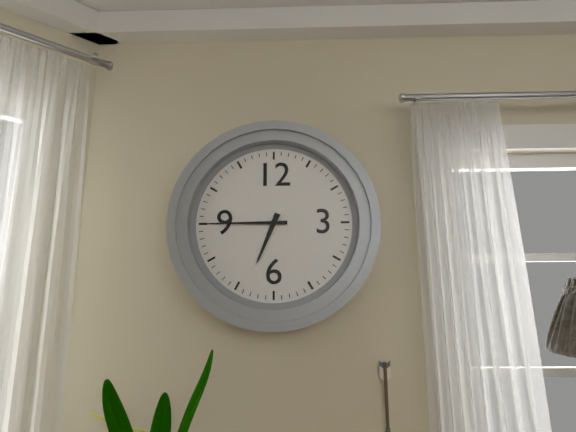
6h45
